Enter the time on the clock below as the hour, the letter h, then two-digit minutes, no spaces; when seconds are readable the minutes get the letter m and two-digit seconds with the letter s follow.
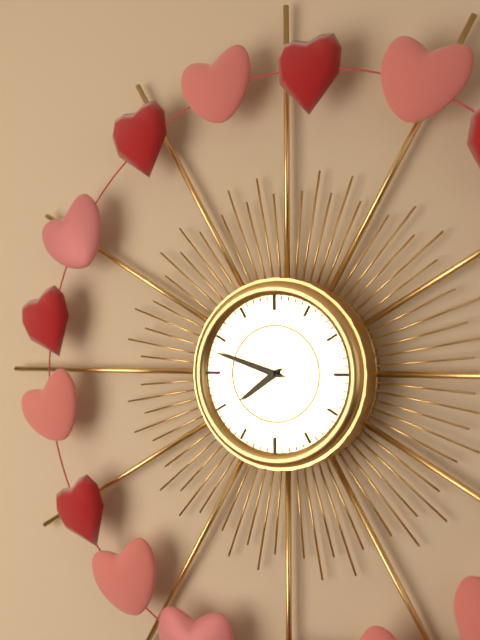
7h48
